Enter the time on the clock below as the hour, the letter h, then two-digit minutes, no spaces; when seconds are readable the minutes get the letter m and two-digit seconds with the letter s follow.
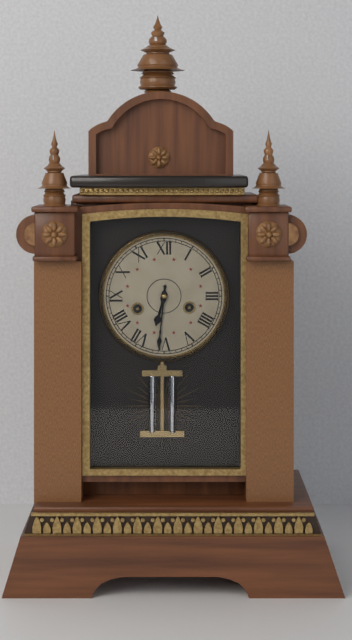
6h31
